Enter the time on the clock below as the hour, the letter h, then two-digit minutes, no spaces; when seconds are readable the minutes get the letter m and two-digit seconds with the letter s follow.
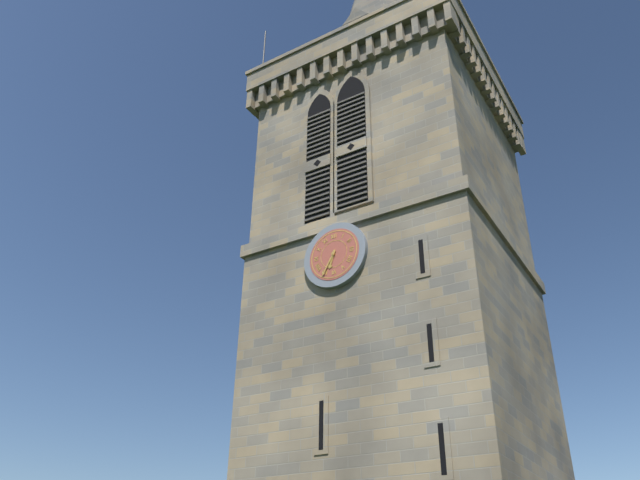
6h35
